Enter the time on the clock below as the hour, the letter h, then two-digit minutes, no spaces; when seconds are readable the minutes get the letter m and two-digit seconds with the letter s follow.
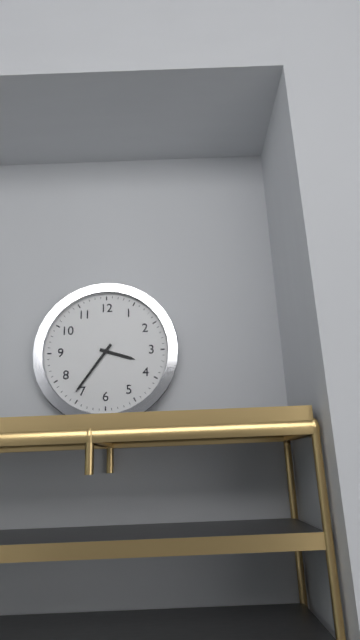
3h36
